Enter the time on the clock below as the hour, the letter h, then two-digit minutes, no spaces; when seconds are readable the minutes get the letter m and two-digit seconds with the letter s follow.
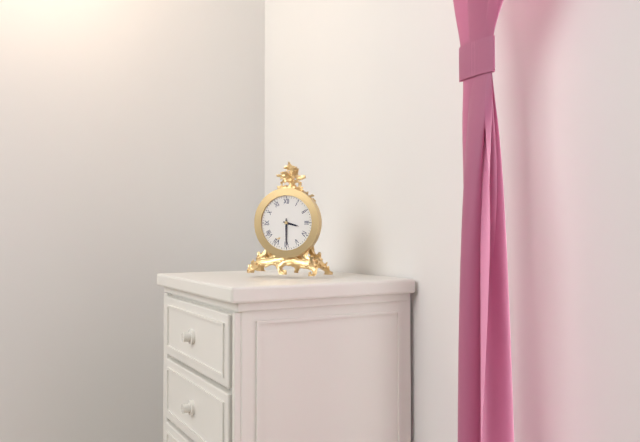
3h30
